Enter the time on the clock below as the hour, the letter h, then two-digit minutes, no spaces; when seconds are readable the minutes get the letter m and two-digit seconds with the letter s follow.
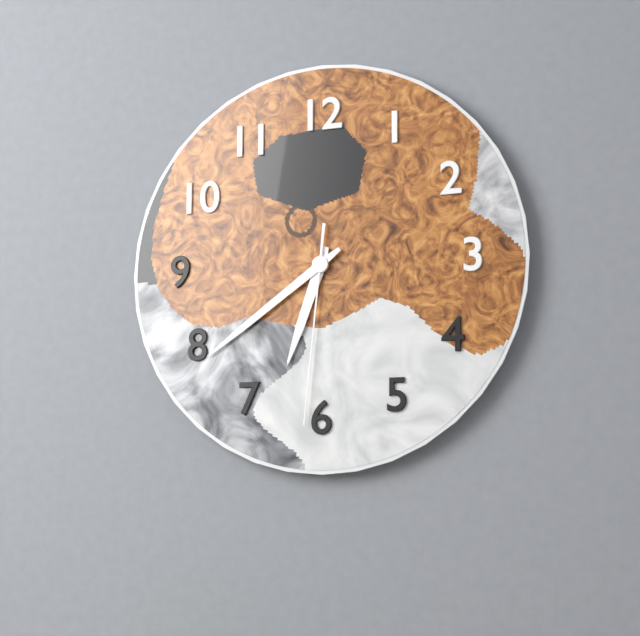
6h39m31s
